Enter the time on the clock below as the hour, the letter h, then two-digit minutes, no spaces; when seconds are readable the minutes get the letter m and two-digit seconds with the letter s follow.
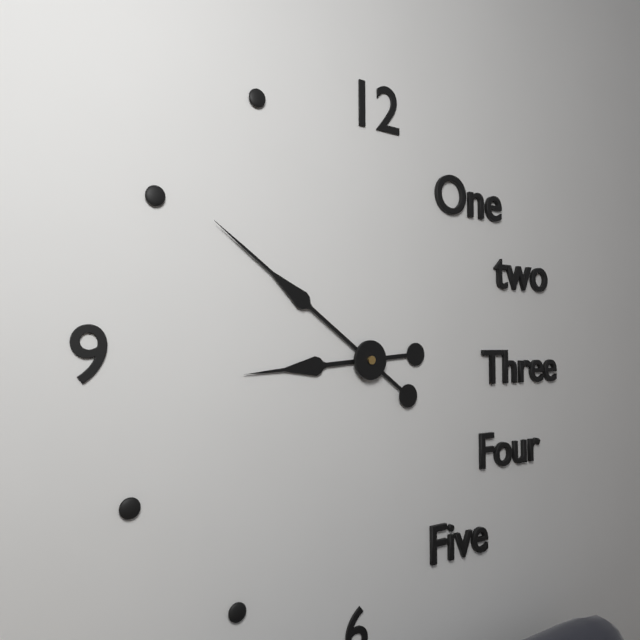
8h51
